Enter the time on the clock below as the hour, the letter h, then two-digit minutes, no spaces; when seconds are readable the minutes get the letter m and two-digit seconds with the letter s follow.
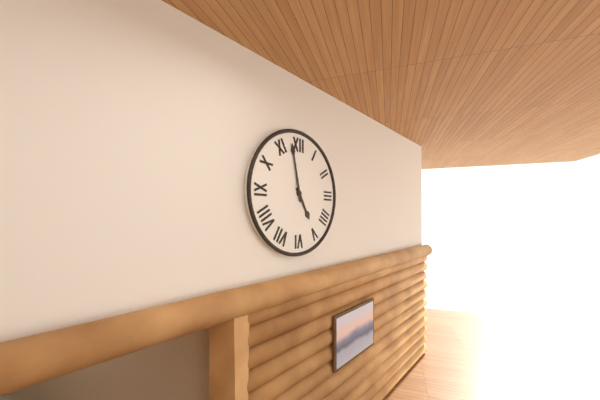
4h58
